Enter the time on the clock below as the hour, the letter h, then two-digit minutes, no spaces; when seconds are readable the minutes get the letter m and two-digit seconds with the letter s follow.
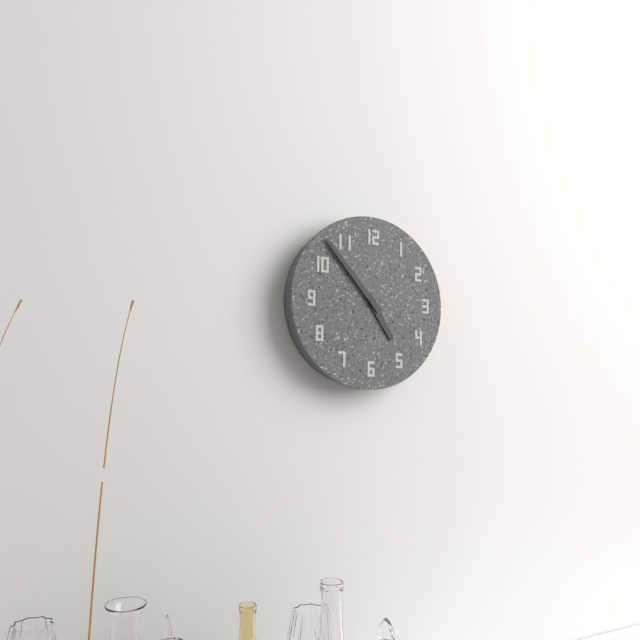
4h53
